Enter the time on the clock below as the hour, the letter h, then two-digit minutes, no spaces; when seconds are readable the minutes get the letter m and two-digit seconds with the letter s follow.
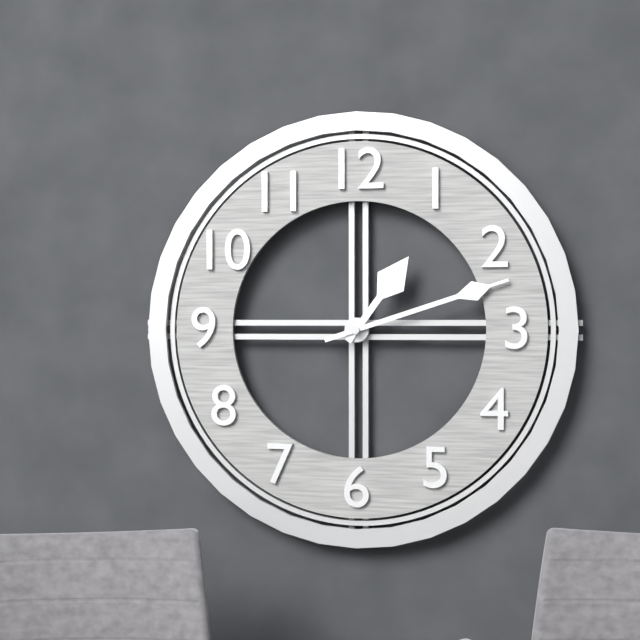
1h12
